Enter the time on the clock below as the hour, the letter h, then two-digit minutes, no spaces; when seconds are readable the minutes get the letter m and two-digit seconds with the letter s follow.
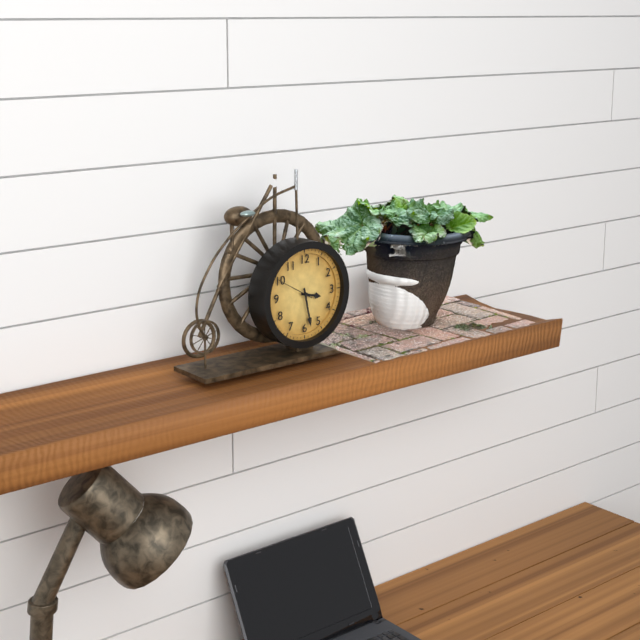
3h28
